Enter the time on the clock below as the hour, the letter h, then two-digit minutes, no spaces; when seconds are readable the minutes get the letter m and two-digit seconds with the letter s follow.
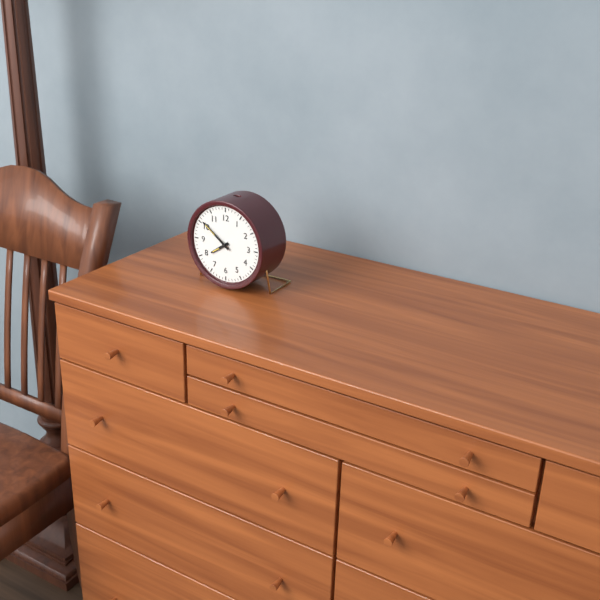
7h51
